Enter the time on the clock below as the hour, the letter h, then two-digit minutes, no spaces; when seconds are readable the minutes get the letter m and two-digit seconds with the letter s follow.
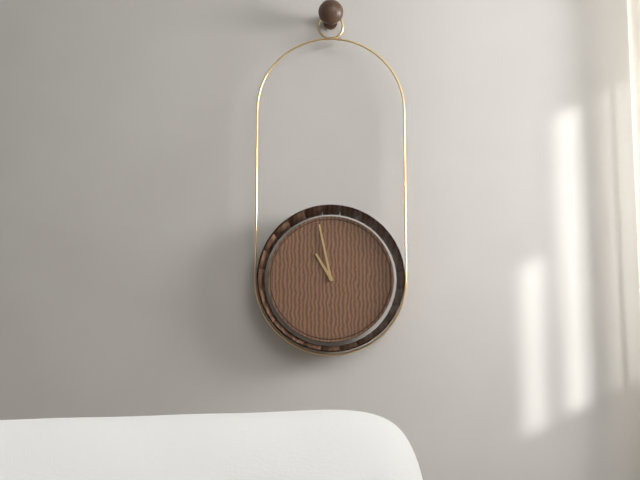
10h58
